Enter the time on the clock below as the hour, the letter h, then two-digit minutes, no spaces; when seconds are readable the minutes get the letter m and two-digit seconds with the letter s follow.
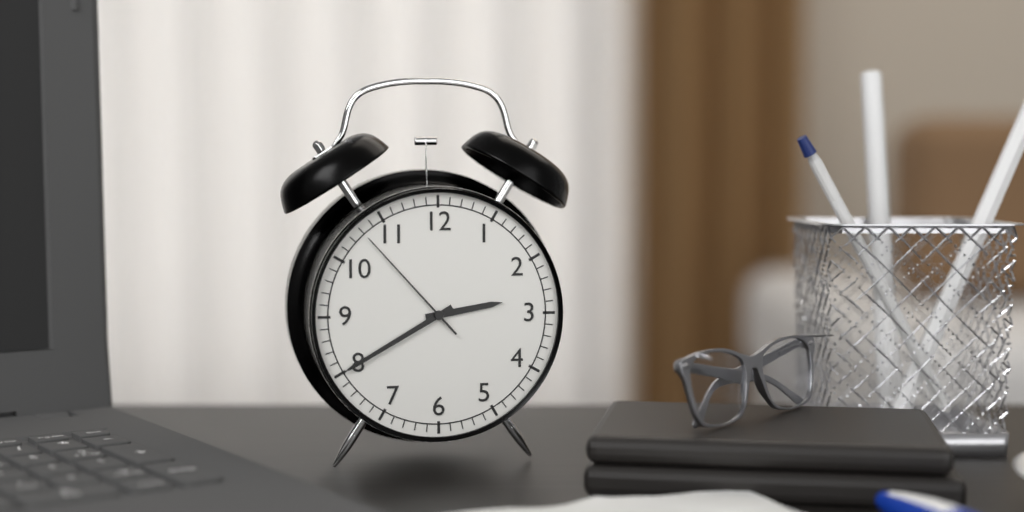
2h40m53s
